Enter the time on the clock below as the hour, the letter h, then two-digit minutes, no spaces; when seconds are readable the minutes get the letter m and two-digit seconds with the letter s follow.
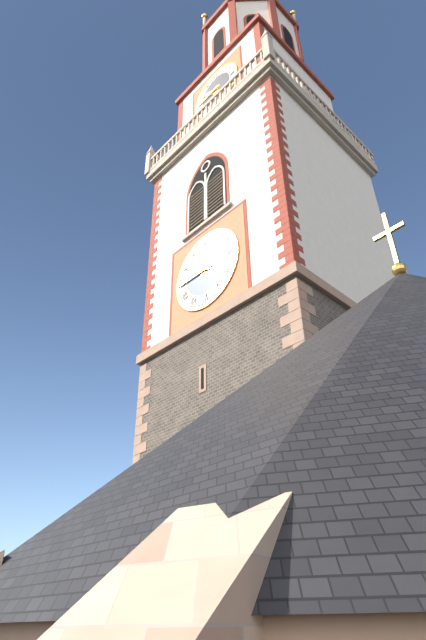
9h45
